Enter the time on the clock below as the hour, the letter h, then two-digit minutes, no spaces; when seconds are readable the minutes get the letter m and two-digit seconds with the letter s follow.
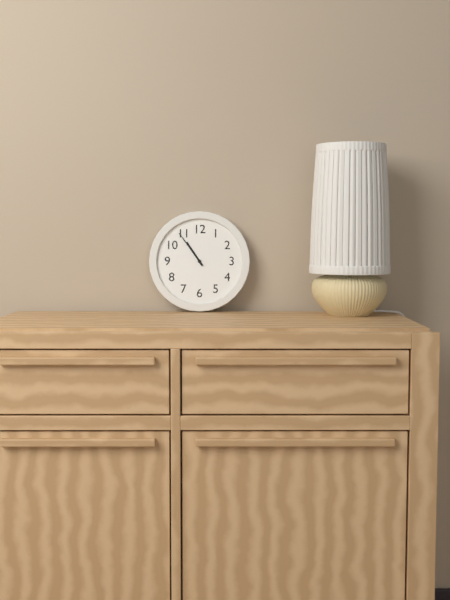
10h54
